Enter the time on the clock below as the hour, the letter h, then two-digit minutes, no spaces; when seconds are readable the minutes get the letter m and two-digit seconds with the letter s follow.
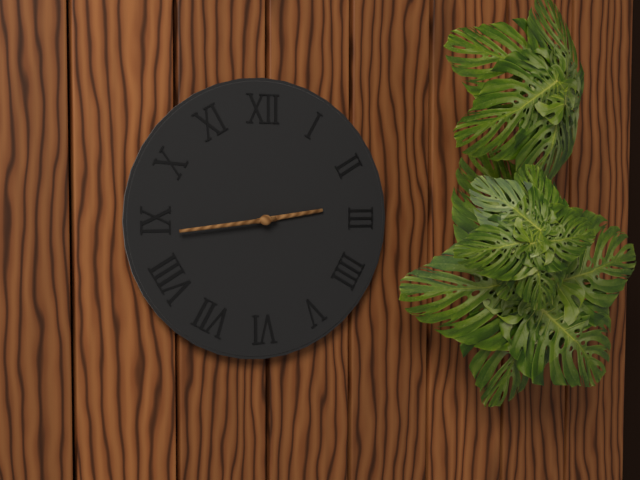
2h44
